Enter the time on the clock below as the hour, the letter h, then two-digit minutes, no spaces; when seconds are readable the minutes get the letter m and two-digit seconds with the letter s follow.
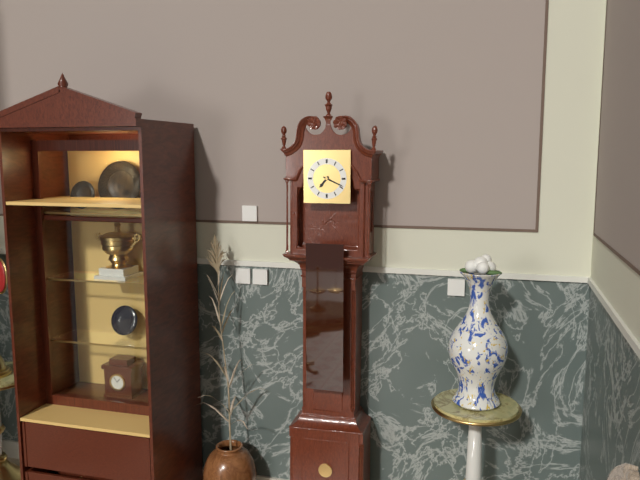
7h19
